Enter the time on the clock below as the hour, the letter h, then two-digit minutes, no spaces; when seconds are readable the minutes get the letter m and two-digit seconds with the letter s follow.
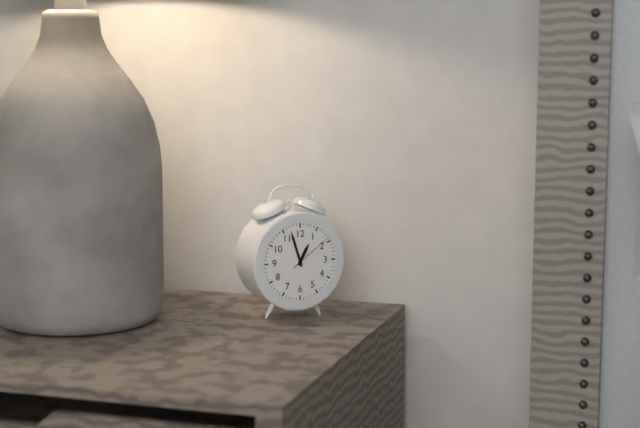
12h57
